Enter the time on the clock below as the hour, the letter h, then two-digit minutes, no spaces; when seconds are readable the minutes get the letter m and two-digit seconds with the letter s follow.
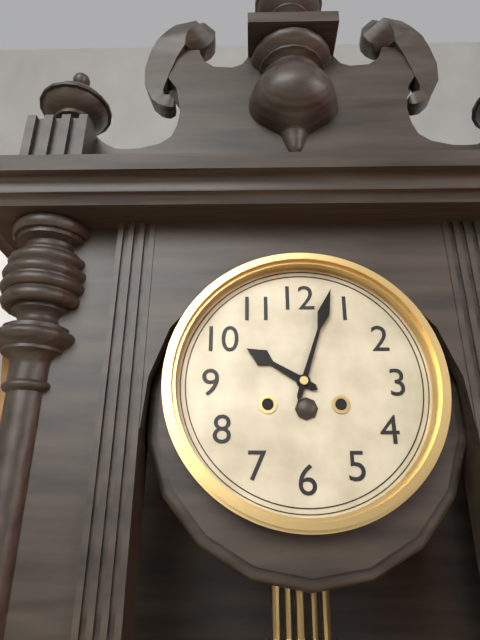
10h03
